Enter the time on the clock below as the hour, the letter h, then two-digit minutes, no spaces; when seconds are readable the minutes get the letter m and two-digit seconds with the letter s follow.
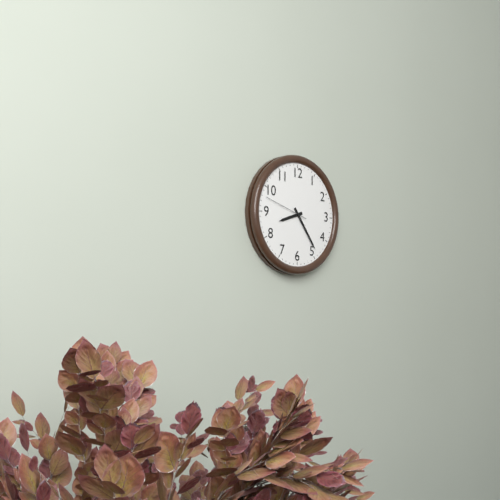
8h24
